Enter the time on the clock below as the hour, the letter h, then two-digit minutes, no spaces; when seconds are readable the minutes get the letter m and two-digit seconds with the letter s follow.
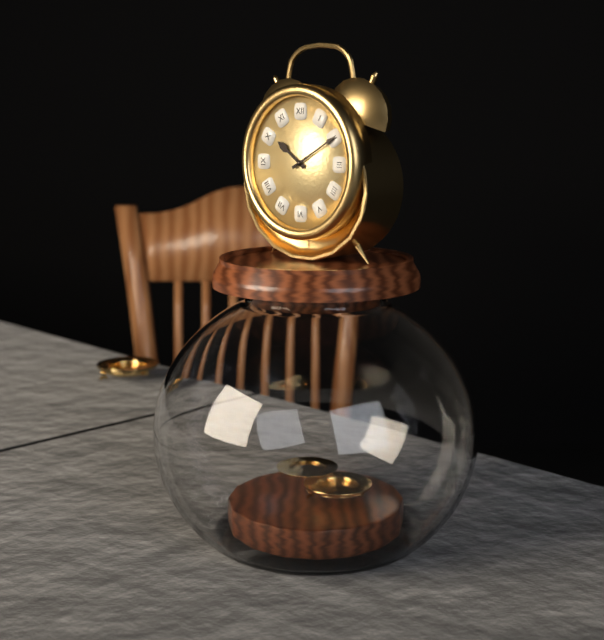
10h10
